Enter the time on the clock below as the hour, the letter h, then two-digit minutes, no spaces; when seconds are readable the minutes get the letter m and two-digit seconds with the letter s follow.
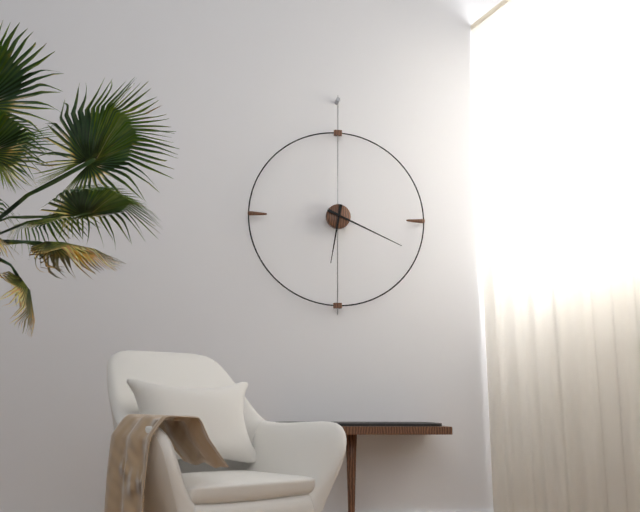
6h19
